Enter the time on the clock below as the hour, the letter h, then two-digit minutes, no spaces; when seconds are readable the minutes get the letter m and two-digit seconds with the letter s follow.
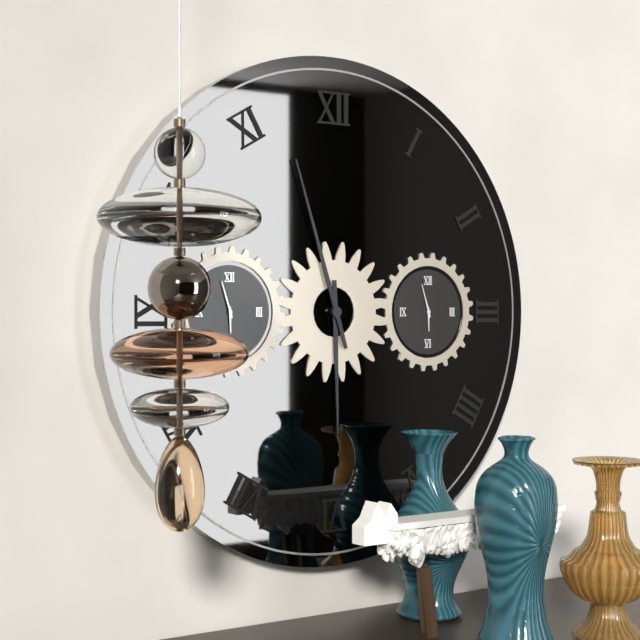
5h57
